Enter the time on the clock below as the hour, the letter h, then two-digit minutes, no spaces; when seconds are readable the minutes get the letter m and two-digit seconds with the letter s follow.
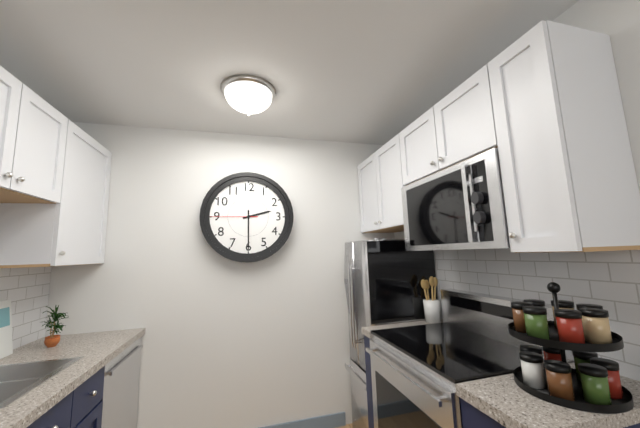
2h30
